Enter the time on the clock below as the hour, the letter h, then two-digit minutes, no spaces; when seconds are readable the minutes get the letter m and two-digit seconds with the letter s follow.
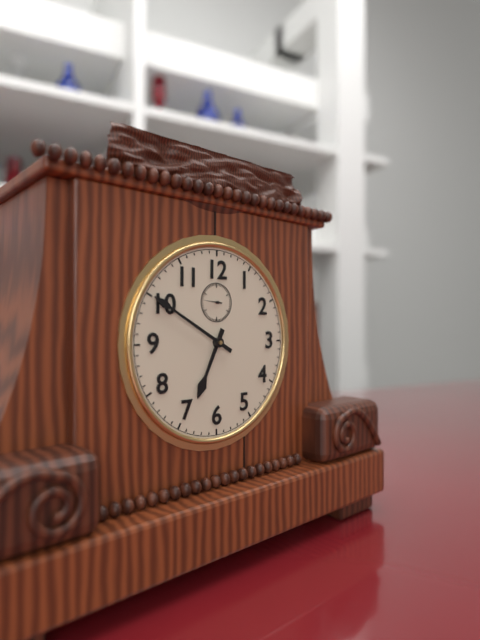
6h50
